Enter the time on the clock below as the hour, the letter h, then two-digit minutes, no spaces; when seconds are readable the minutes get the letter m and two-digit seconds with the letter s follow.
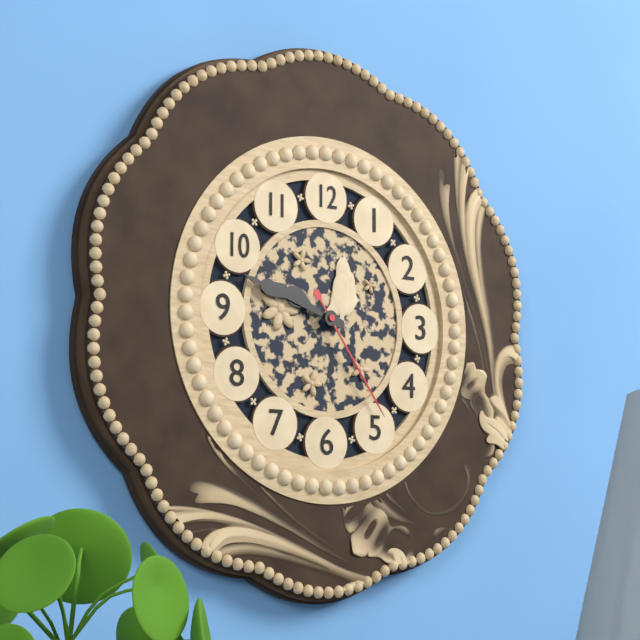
9h48m24s
